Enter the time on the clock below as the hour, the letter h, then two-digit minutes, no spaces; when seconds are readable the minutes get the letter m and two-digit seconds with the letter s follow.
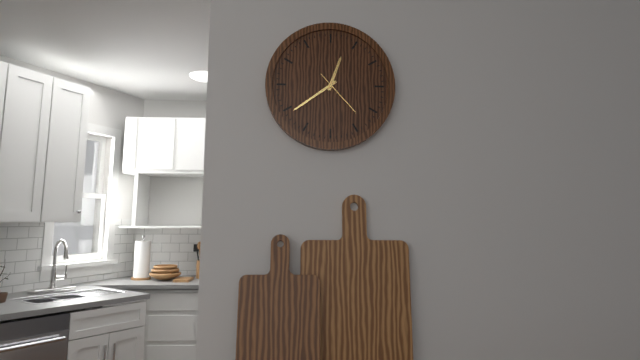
12h39
